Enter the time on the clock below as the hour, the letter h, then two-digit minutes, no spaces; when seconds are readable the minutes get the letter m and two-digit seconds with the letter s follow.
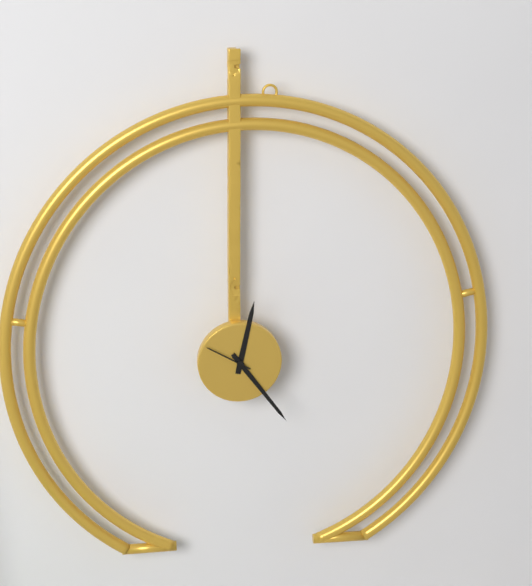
12h24
